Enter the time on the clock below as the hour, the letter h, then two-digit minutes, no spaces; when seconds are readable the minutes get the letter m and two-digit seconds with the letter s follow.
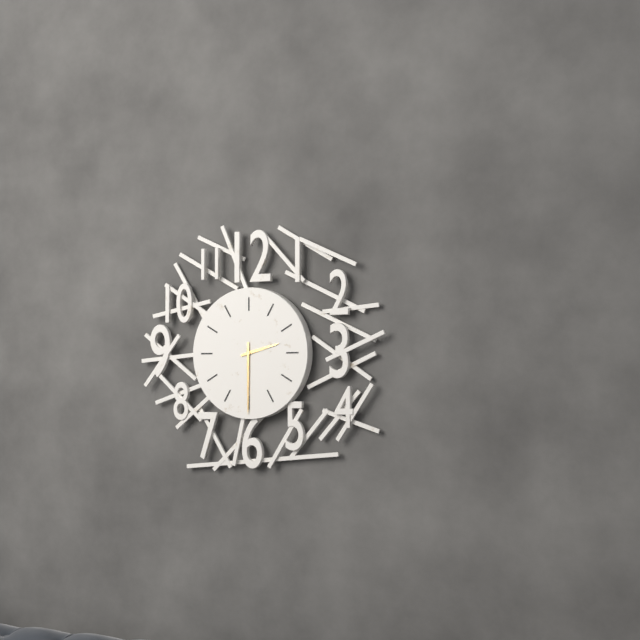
2h30
